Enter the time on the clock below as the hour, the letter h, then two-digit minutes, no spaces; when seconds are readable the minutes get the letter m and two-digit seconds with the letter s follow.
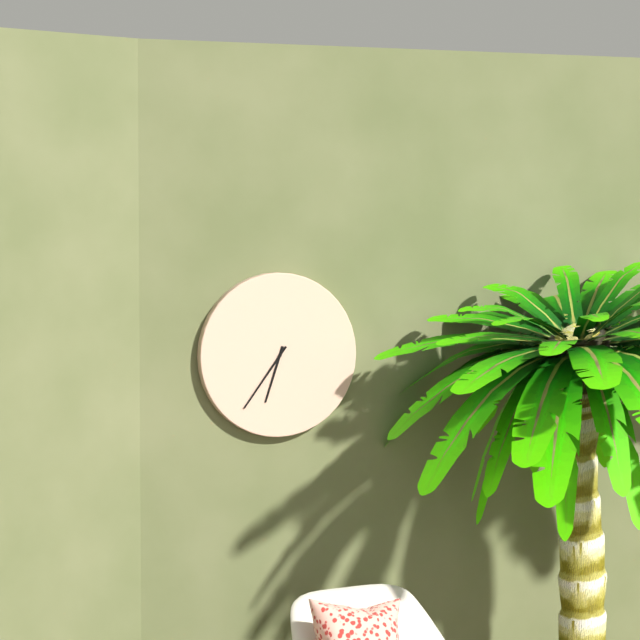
6h36
